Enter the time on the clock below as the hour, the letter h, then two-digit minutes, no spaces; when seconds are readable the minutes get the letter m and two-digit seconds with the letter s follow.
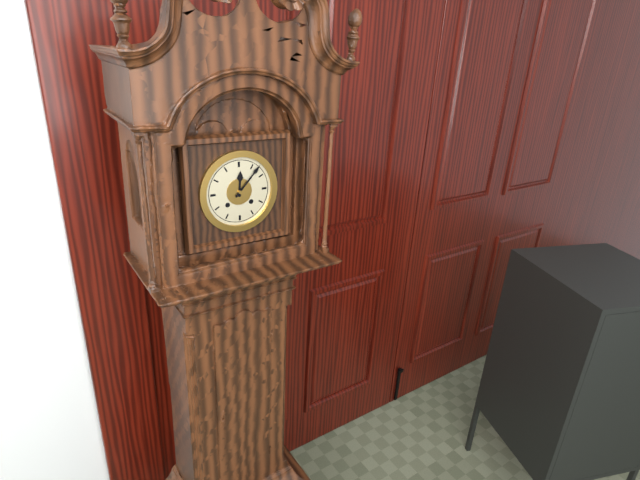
12h07
